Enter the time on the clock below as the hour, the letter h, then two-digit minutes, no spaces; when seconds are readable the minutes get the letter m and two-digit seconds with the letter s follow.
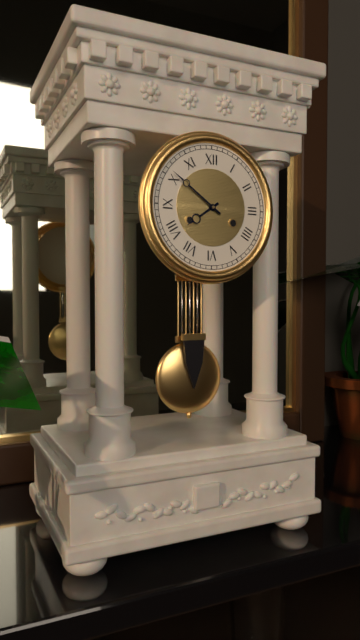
7h51
